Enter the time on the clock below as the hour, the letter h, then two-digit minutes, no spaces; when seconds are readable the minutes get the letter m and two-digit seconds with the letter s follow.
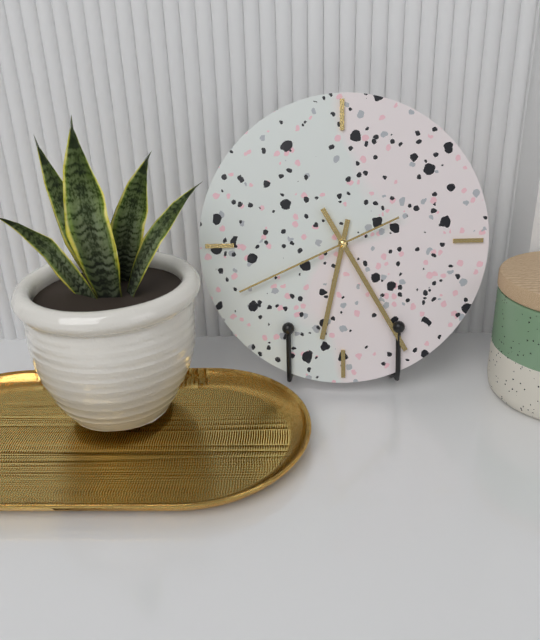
6h25m41s
